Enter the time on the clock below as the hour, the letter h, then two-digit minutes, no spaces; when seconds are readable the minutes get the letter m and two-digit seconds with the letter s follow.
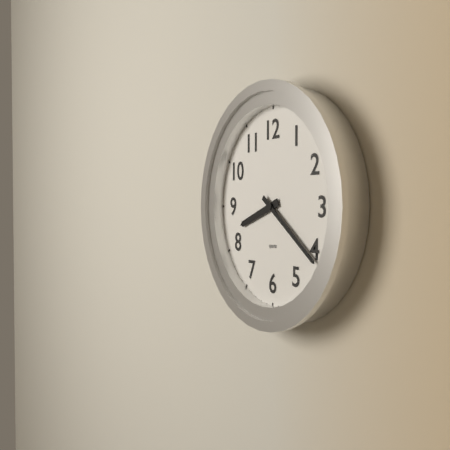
8h21
